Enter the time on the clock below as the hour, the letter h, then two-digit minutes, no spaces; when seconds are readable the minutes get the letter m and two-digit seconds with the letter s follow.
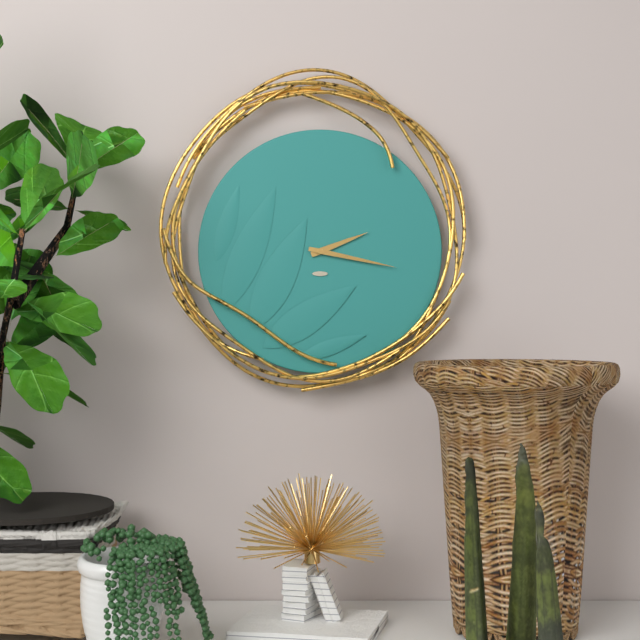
2h17
